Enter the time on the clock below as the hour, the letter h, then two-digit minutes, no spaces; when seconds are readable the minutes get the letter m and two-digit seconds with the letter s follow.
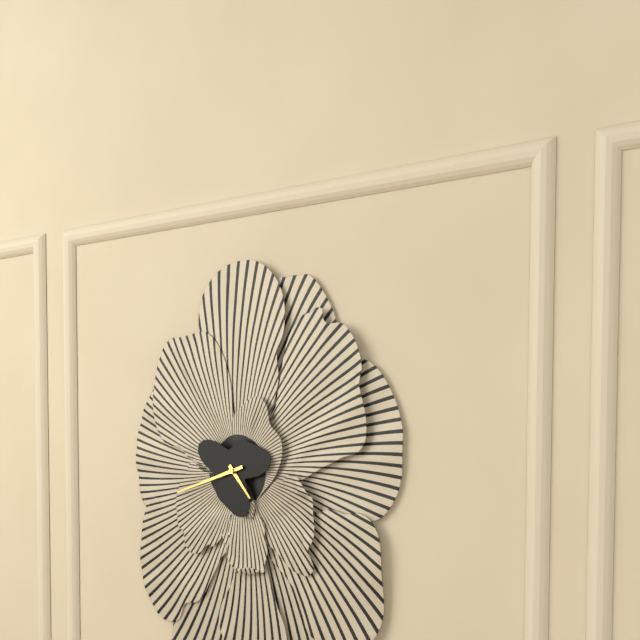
4h42
